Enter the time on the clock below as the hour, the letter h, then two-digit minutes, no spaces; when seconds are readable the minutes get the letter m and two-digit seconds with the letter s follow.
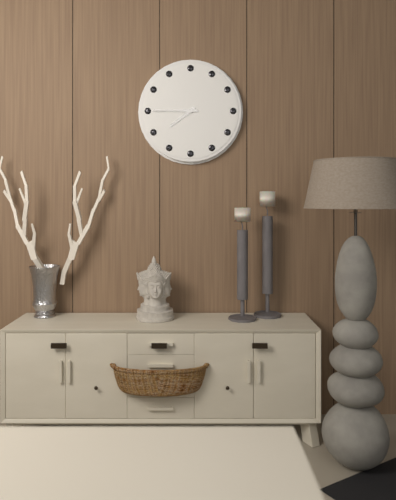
7h45
